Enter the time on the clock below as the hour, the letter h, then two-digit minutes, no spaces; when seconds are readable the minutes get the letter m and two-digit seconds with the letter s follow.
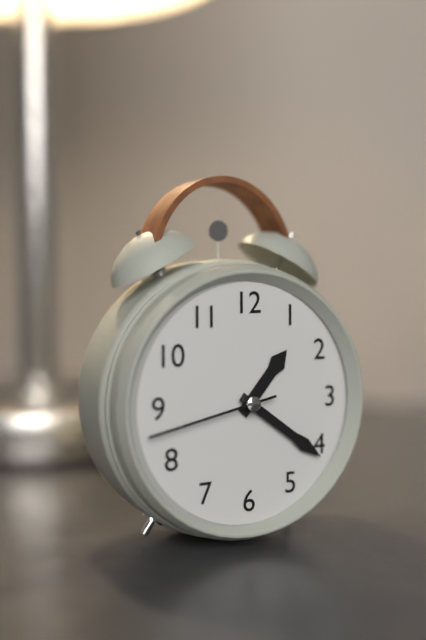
1h21m43s
